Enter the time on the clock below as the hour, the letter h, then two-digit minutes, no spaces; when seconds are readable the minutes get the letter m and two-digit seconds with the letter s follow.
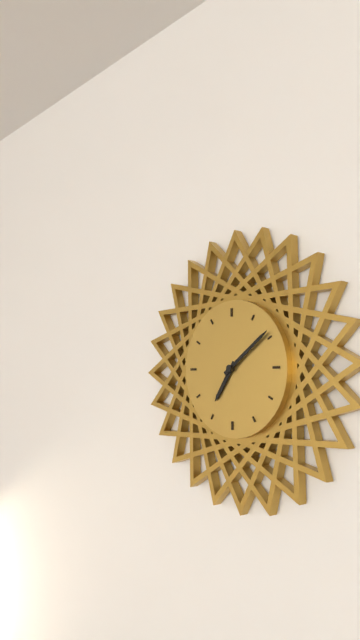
7h09
